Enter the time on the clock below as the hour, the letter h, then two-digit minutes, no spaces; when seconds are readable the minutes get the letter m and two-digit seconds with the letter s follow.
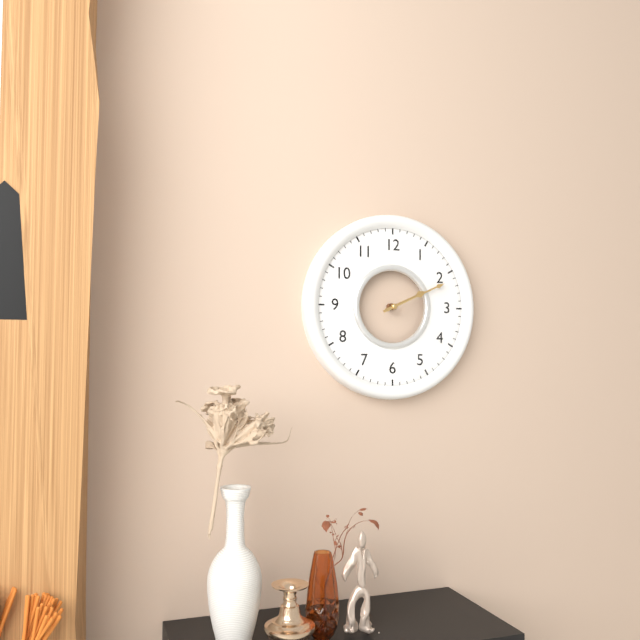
2h11
